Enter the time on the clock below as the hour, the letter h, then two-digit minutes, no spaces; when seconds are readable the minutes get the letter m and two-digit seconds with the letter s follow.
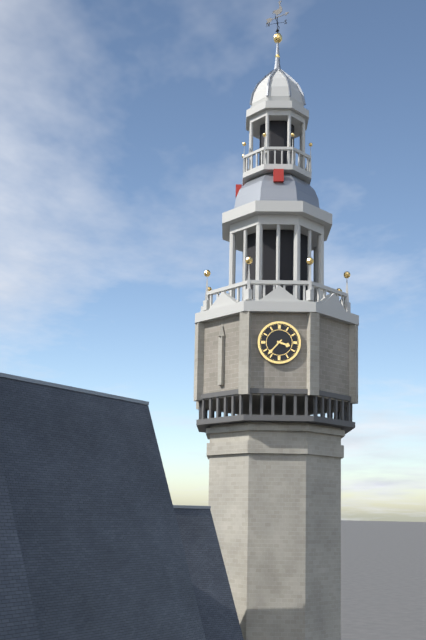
3h37
